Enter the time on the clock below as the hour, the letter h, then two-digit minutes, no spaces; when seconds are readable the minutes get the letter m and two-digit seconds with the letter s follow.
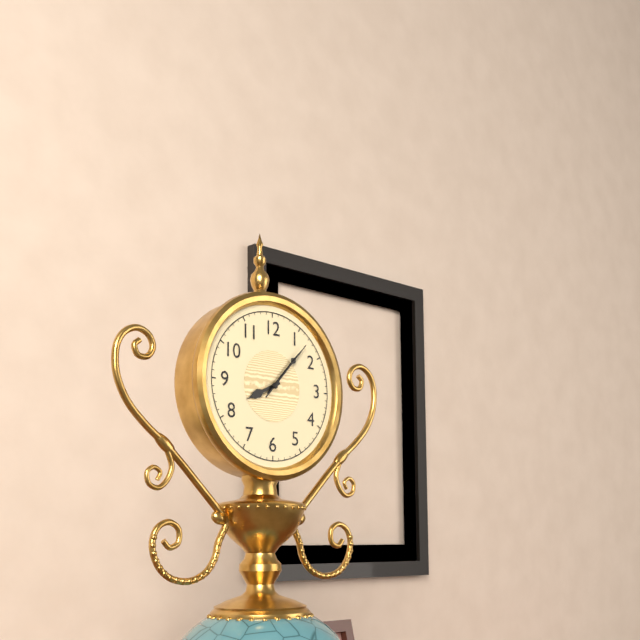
8h07m07s
